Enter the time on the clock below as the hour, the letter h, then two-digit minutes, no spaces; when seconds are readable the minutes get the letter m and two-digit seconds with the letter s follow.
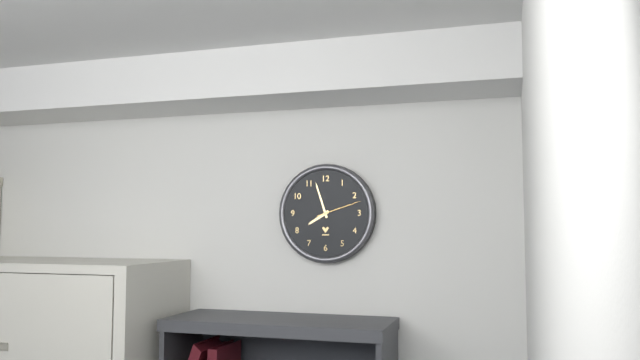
7h57
